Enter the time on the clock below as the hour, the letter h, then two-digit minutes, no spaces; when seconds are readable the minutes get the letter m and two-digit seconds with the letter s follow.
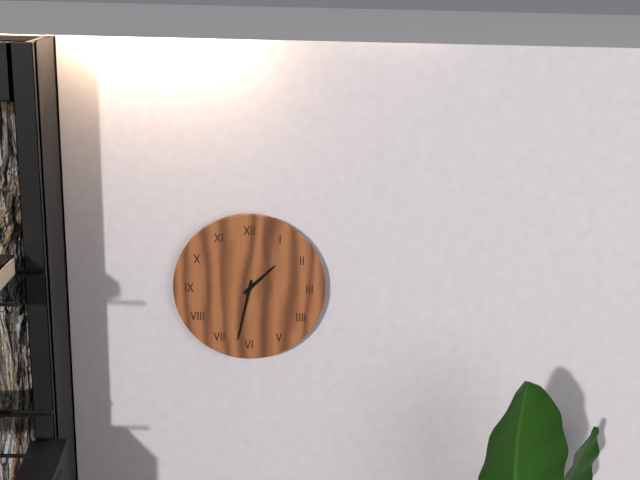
1h32
